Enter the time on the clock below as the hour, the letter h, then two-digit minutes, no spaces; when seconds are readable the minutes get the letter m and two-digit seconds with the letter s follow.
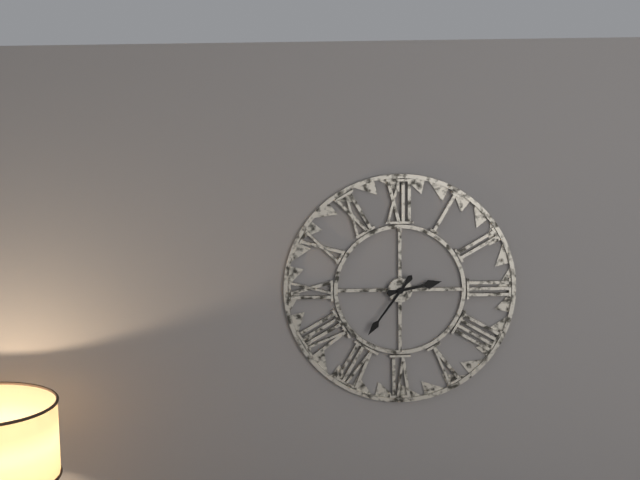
2h36
